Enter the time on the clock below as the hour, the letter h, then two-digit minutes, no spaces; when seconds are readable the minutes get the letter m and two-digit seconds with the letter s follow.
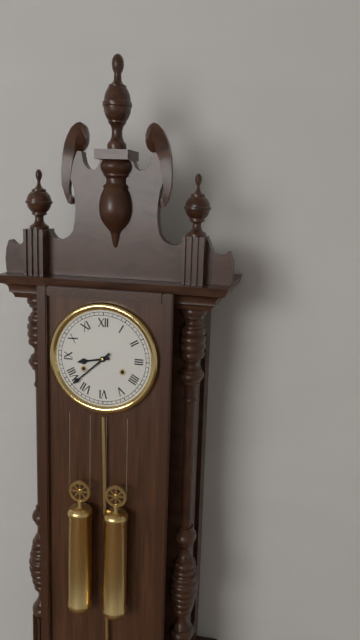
8h38
